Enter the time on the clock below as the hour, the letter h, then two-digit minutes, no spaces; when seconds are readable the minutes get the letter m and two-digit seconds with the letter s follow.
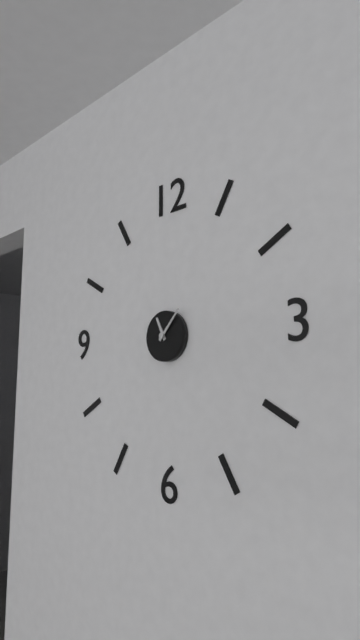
11h07
